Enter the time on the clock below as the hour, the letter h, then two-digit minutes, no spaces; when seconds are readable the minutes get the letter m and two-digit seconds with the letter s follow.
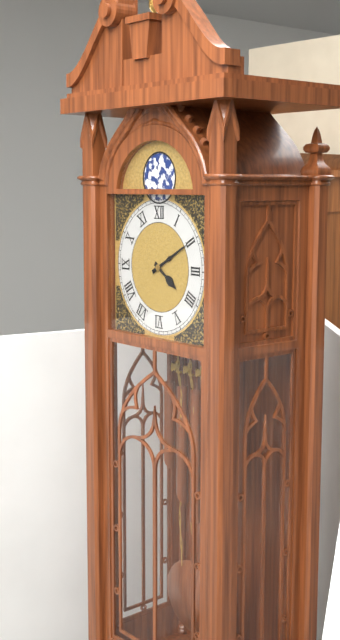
4h10
